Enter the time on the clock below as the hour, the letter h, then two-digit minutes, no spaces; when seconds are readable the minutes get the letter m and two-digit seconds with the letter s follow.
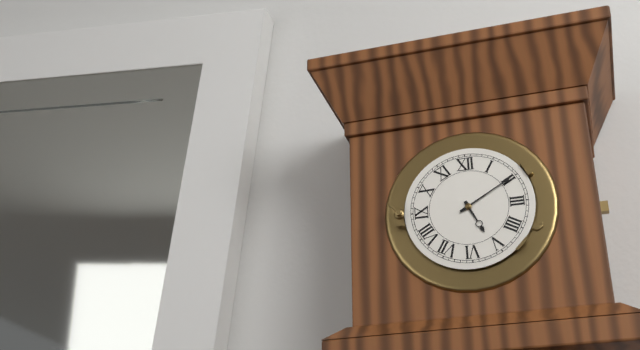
5h10
